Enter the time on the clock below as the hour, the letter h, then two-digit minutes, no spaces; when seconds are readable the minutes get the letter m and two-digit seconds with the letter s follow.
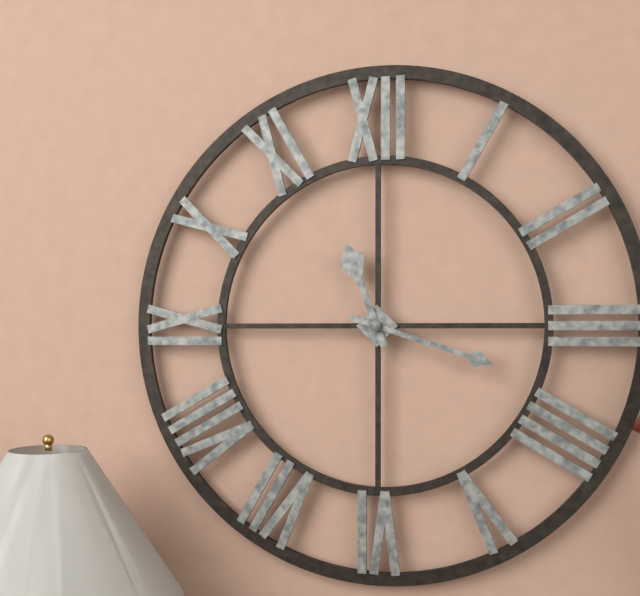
11h18
